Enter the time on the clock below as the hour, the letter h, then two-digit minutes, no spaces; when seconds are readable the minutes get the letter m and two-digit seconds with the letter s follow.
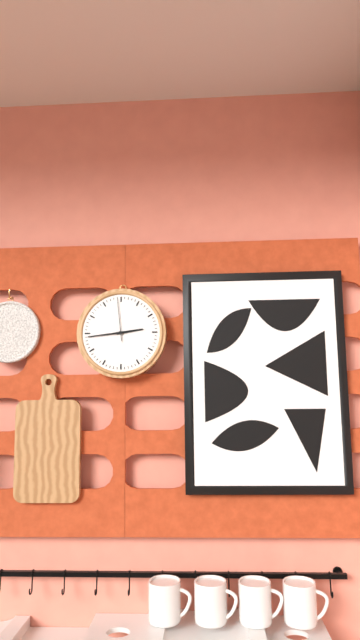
2h44
